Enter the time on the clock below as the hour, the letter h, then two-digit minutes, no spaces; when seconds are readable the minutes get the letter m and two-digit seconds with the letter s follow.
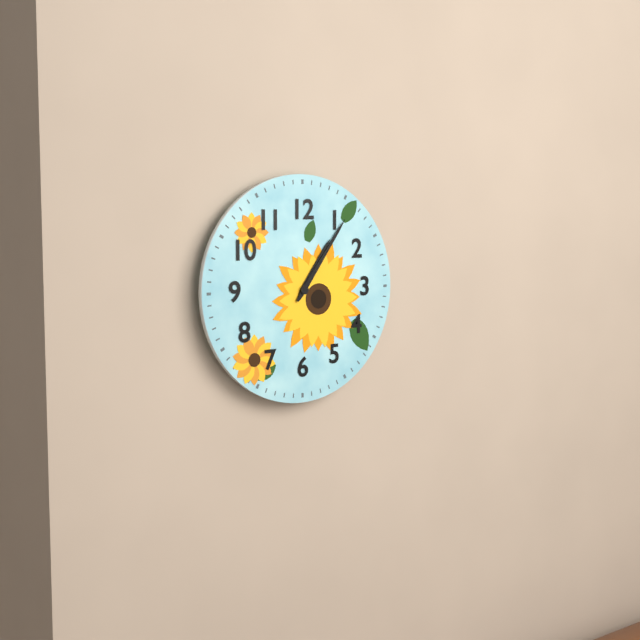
1h06
